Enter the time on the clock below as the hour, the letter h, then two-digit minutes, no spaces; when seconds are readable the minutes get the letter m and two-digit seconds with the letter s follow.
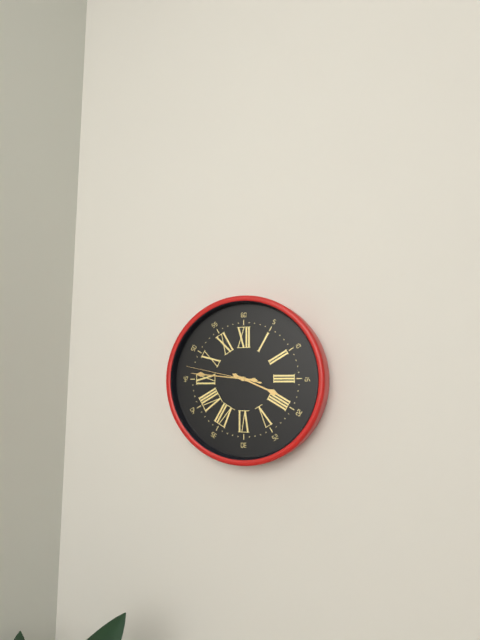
3h46m47s
